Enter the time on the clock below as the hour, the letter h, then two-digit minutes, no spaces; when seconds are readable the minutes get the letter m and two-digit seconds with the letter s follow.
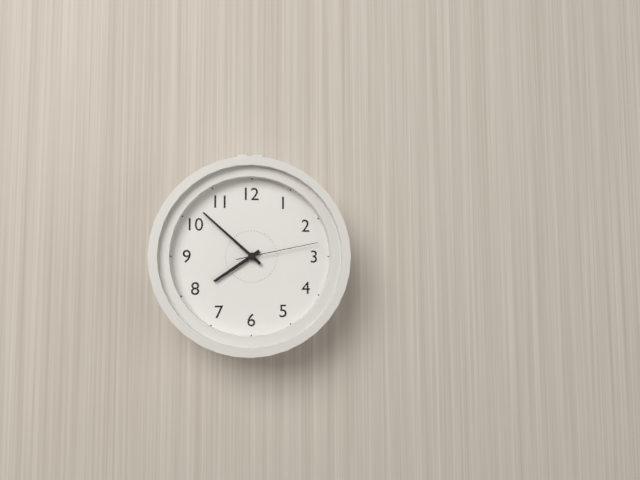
7h52m13s
